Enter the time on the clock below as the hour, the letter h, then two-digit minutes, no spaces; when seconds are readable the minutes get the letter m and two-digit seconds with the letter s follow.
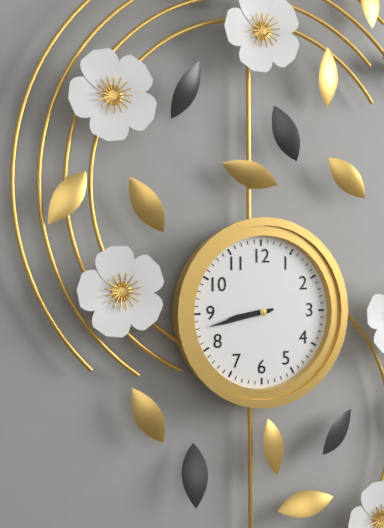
8h43
